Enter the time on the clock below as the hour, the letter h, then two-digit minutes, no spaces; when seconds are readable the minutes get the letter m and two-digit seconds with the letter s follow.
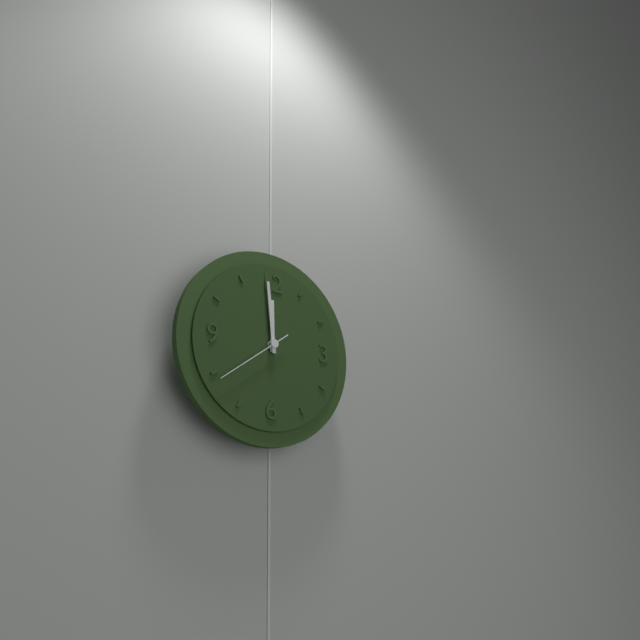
11h59m39s
